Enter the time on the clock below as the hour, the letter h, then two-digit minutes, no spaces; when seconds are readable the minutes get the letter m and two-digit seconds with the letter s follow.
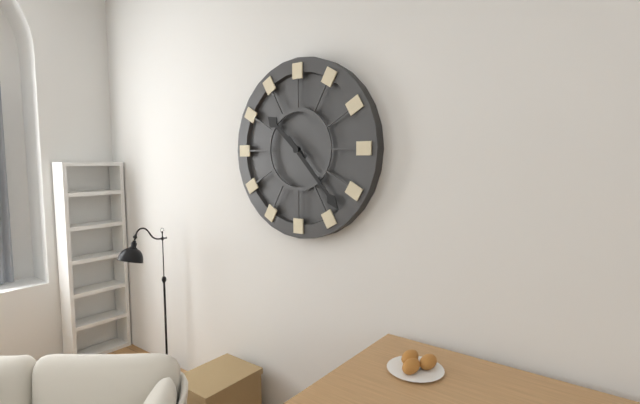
10h23
